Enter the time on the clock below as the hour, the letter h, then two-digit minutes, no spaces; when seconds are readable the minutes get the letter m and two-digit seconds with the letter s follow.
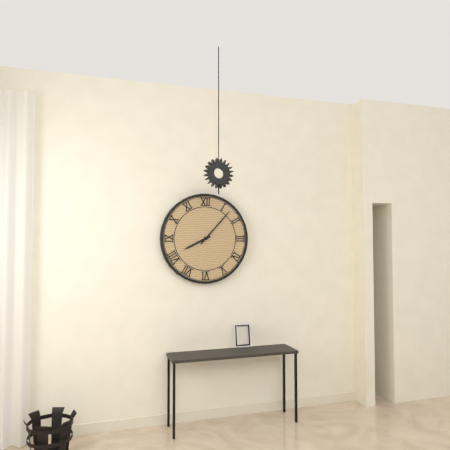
8h07
